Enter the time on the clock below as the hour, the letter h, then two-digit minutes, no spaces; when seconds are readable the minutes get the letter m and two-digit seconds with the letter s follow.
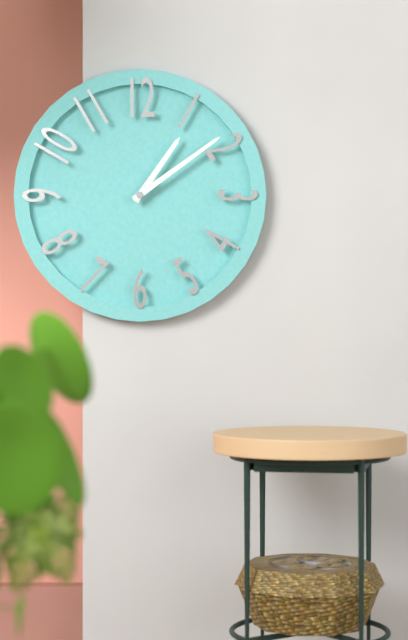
1h09
